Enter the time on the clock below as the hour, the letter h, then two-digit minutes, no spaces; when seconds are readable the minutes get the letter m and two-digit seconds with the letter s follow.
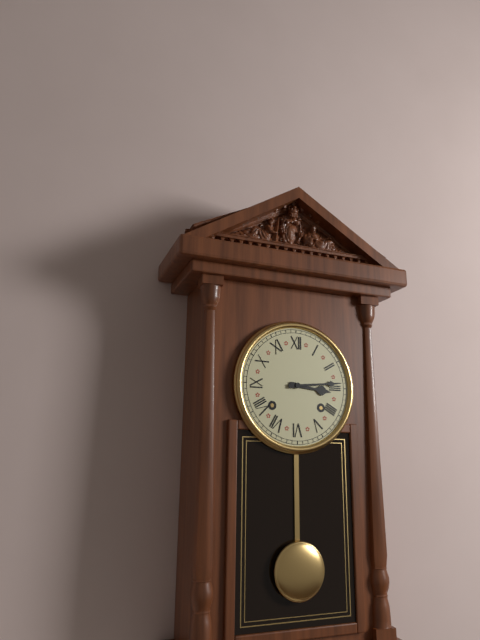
3h14
